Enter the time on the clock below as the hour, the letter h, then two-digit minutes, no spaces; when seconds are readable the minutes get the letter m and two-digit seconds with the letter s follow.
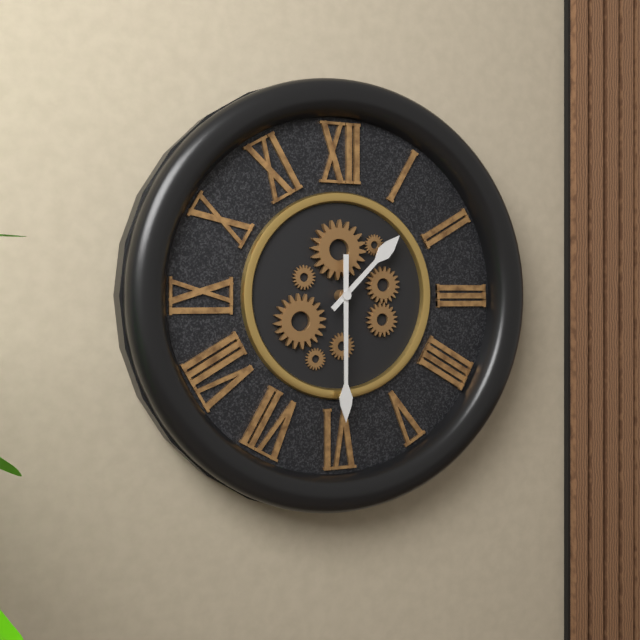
1h30
